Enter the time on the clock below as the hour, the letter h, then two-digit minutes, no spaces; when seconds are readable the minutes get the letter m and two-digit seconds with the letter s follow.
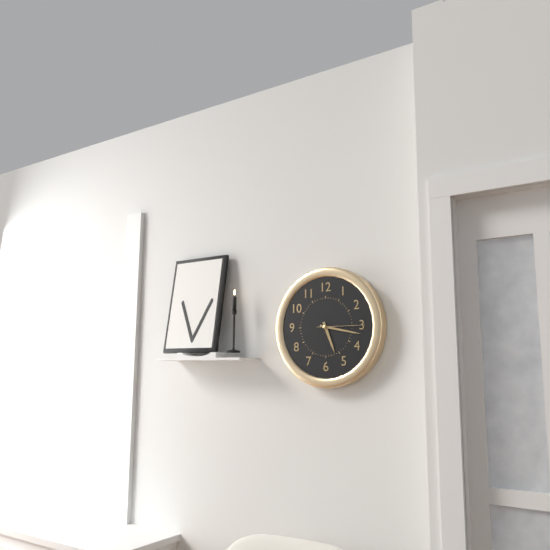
5h17
